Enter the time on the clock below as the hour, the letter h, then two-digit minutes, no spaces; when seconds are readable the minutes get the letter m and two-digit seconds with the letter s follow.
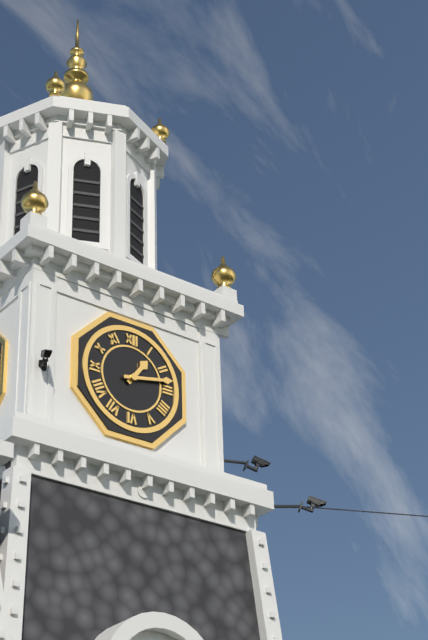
1h13
